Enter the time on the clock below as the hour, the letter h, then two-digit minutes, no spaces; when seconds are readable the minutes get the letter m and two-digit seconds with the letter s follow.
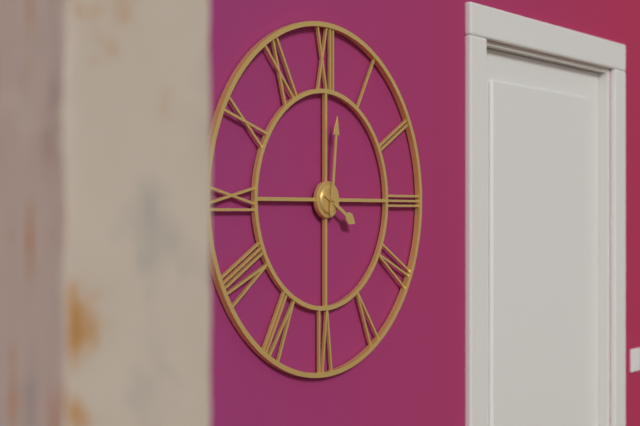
4h01
